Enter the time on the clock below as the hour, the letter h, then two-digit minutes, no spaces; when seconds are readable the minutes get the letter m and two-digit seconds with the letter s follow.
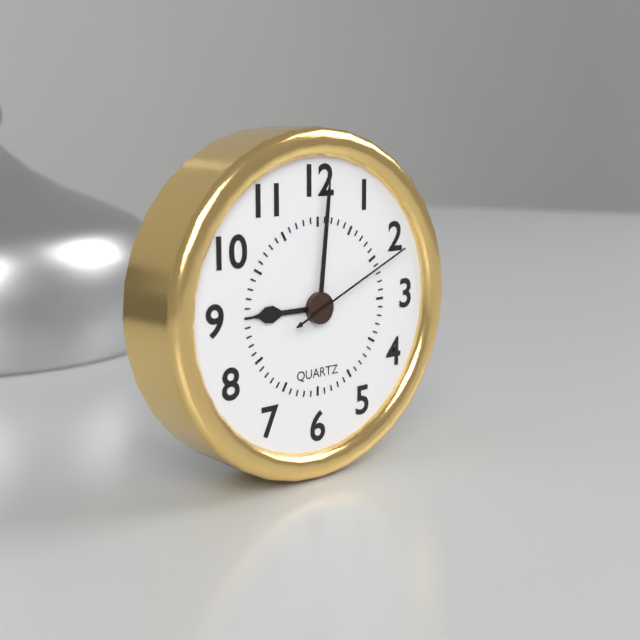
9h01m11s
